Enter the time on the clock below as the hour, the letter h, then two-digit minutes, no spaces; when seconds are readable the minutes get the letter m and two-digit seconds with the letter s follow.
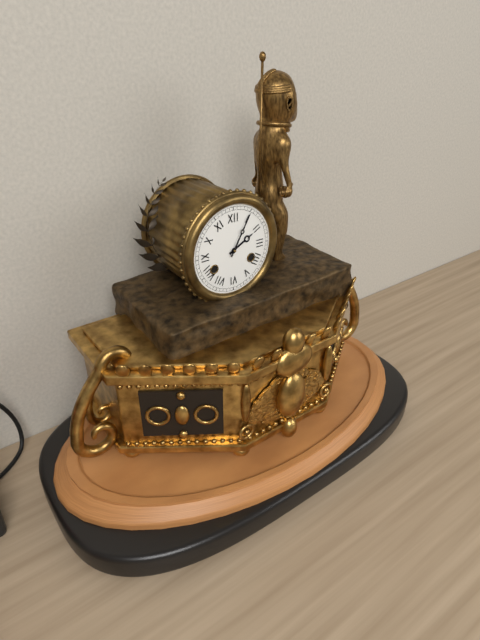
2h05
